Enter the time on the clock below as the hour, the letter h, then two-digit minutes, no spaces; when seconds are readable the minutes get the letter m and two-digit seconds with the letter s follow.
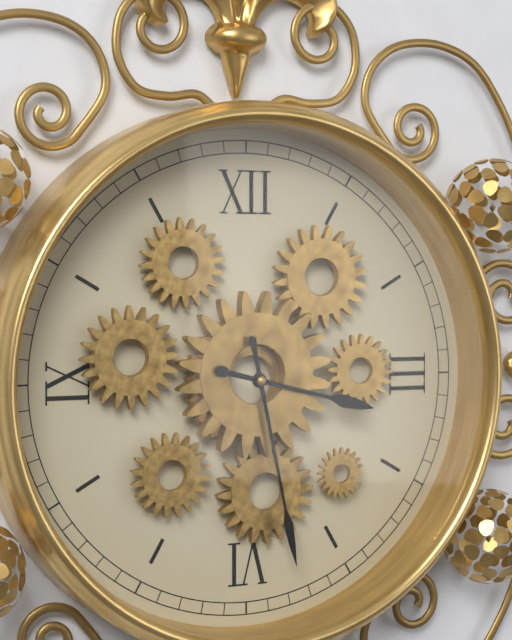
3h28
